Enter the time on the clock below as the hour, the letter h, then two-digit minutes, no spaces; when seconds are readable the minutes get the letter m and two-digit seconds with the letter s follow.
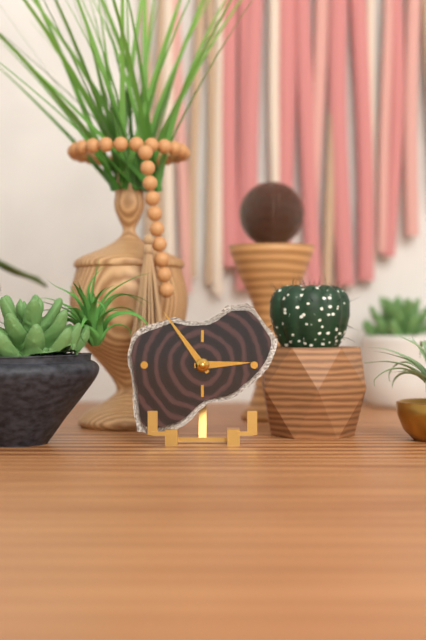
2h54
